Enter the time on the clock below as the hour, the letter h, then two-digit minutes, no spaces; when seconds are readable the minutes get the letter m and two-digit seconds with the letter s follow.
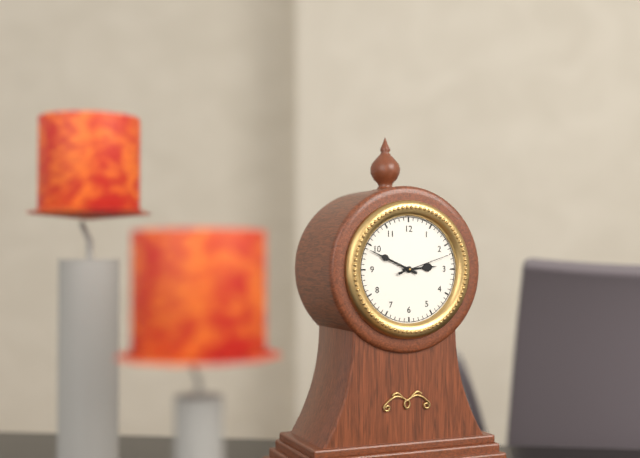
2h49m12s
